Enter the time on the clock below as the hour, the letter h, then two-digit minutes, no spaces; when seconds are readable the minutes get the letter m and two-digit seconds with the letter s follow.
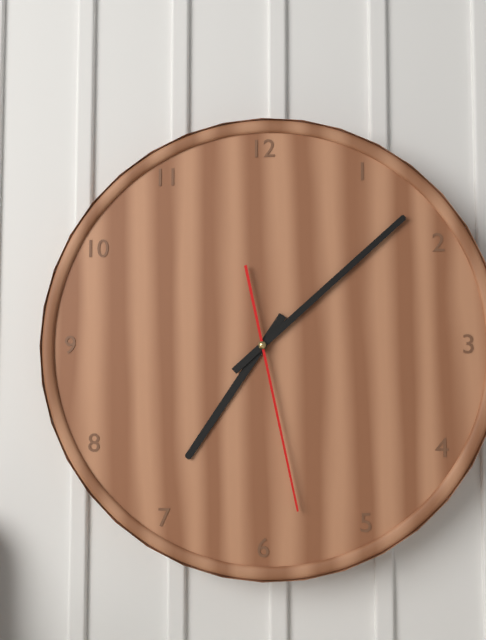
7h08m28s
